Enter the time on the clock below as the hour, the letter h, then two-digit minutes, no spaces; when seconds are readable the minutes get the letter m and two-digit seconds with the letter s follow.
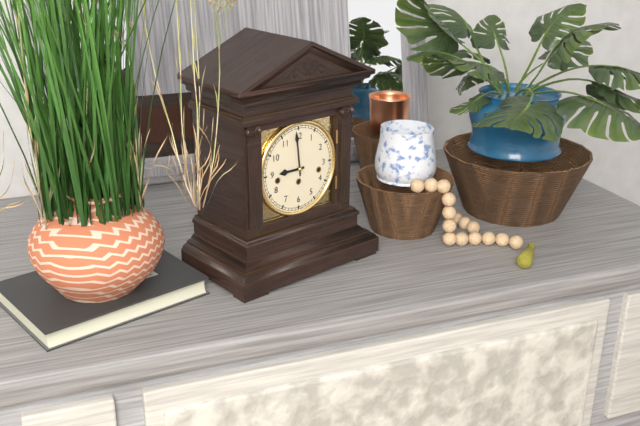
8h59
